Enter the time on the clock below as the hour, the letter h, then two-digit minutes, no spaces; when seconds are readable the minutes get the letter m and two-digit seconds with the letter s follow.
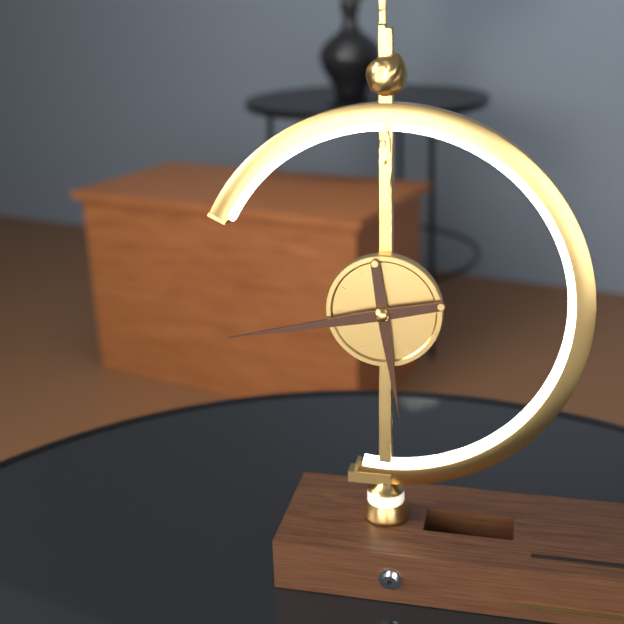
5h43
